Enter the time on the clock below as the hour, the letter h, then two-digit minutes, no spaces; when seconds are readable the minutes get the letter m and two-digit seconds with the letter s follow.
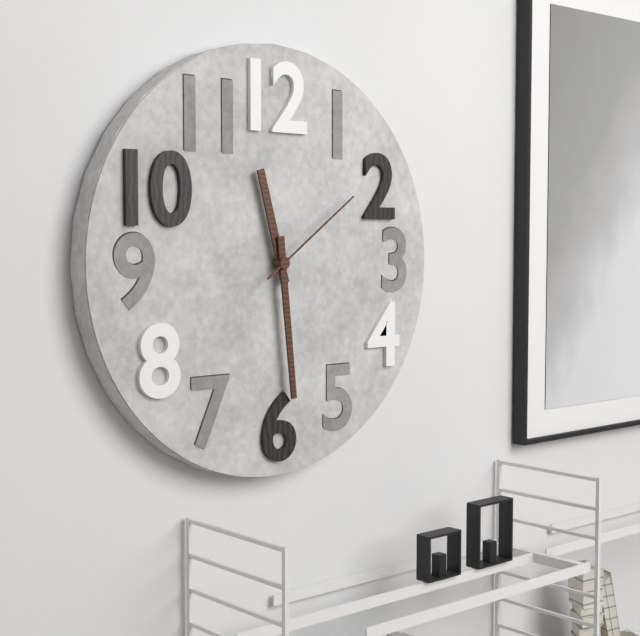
11h29m09s
